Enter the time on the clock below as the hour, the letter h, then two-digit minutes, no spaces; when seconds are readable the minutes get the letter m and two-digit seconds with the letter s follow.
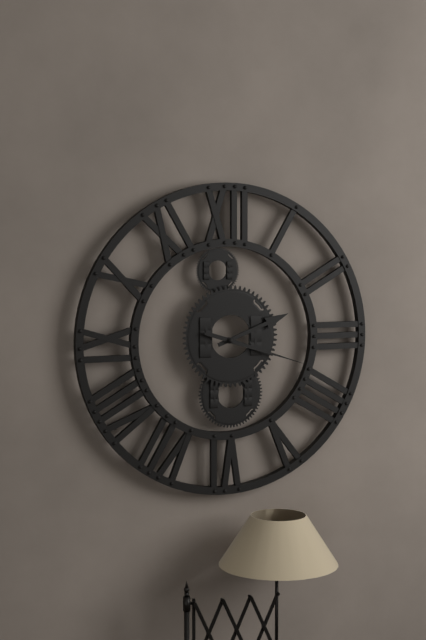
2h18
